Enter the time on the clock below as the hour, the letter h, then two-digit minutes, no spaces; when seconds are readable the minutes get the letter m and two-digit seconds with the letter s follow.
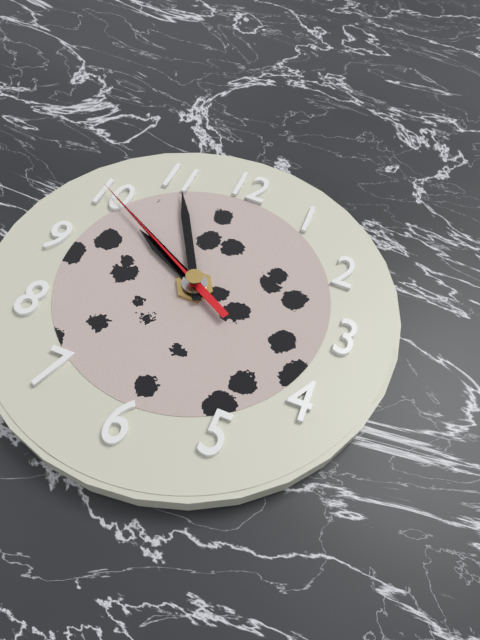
9h55m50s
